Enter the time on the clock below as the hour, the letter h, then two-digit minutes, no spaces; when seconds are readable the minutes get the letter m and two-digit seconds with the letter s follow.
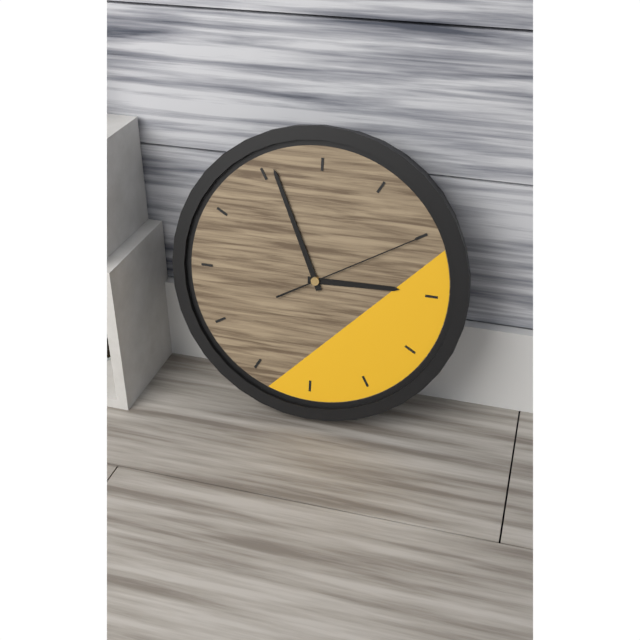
2h56m10s
